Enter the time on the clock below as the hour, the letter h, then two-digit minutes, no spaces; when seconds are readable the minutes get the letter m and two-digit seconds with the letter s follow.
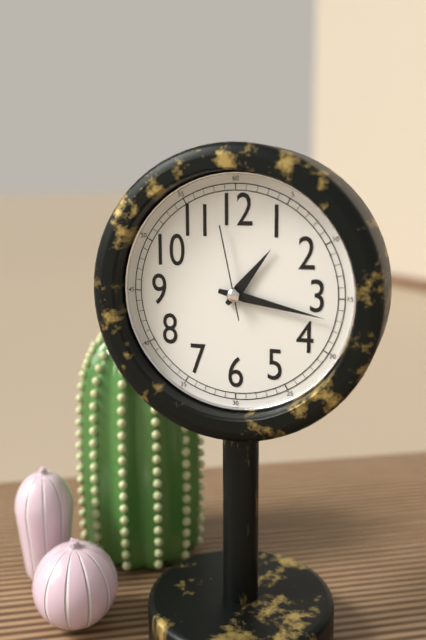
1h17m58s
